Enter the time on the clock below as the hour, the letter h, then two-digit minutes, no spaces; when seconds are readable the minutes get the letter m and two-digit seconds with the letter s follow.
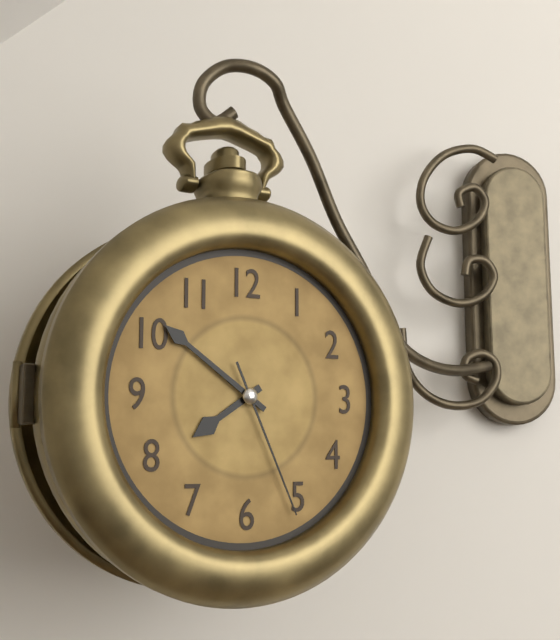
7h51m26s
